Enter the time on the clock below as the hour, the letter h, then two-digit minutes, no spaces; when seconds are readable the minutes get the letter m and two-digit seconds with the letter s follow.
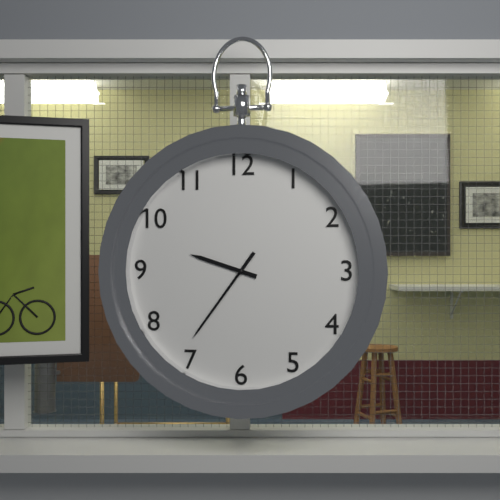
9h36
